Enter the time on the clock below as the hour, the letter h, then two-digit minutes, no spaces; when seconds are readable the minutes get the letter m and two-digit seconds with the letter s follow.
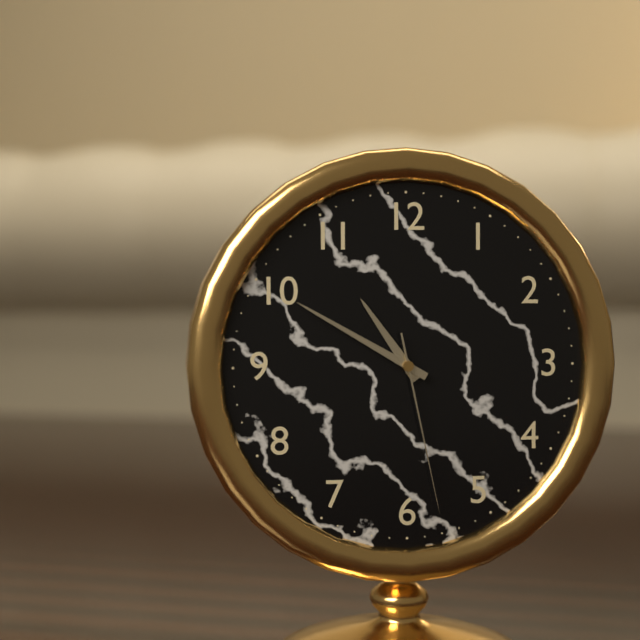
10h50m28s
